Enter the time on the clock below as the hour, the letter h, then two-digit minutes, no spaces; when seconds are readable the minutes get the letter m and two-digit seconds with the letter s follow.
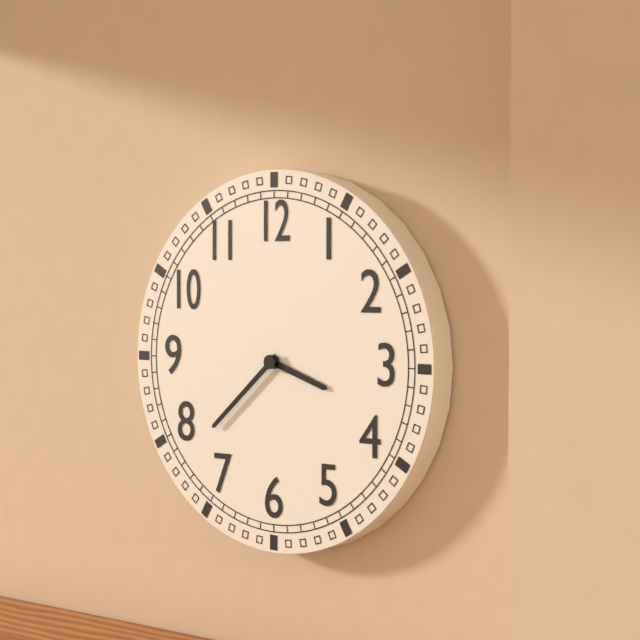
3h38
